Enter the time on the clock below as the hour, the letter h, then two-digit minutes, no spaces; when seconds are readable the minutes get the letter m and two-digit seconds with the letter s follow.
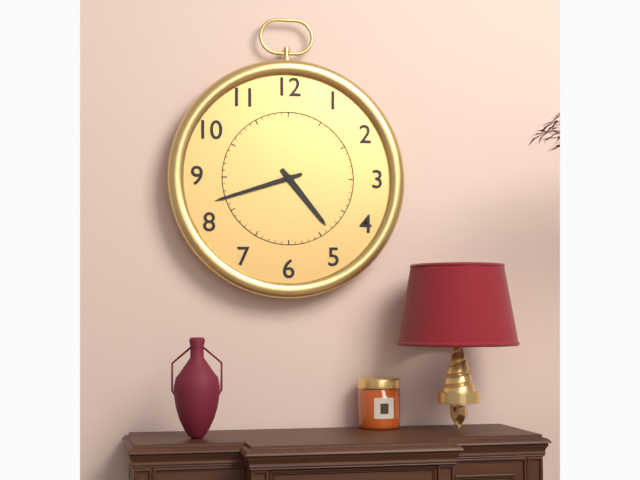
4h42
